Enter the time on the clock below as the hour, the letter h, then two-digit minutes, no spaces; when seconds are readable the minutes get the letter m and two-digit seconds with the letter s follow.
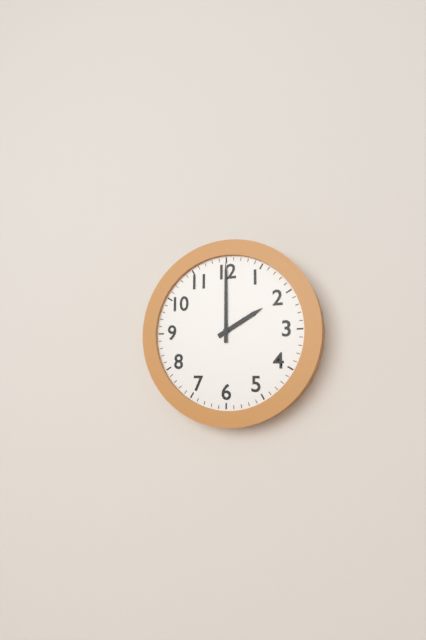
2h00
